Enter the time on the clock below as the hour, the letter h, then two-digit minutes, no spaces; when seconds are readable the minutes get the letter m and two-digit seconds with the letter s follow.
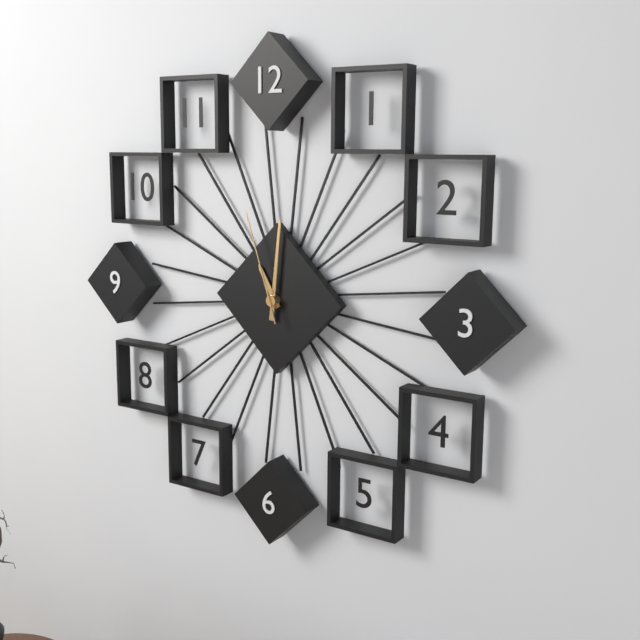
11h01m57s
